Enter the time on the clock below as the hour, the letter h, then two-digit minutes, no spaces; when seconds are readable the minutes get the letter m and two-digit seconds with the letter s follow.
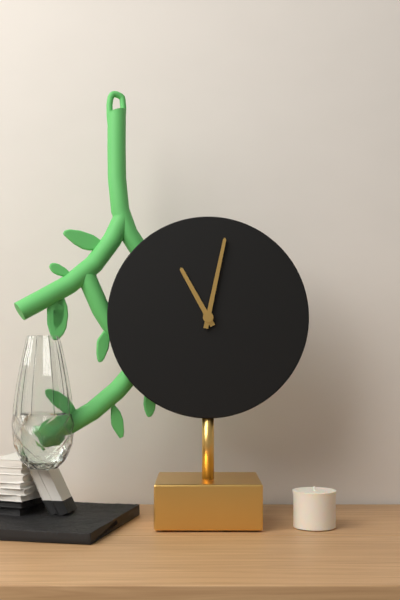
11h02
